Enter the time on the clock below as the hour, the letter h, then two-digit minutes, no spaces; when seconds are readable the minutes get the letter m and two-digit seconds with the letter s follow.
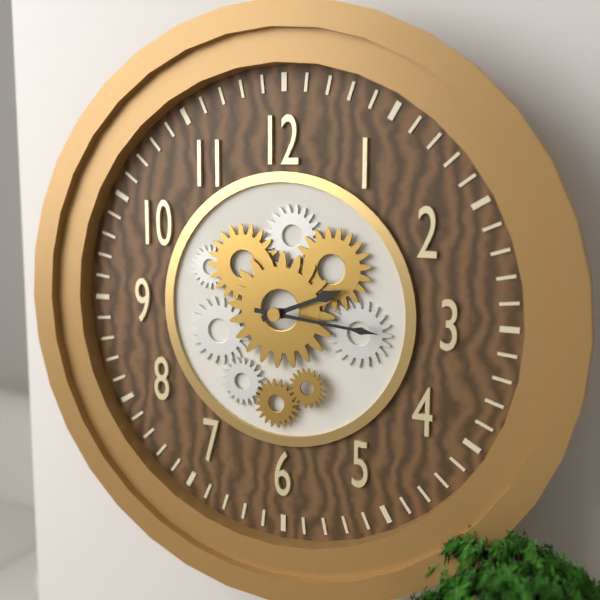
2h16
